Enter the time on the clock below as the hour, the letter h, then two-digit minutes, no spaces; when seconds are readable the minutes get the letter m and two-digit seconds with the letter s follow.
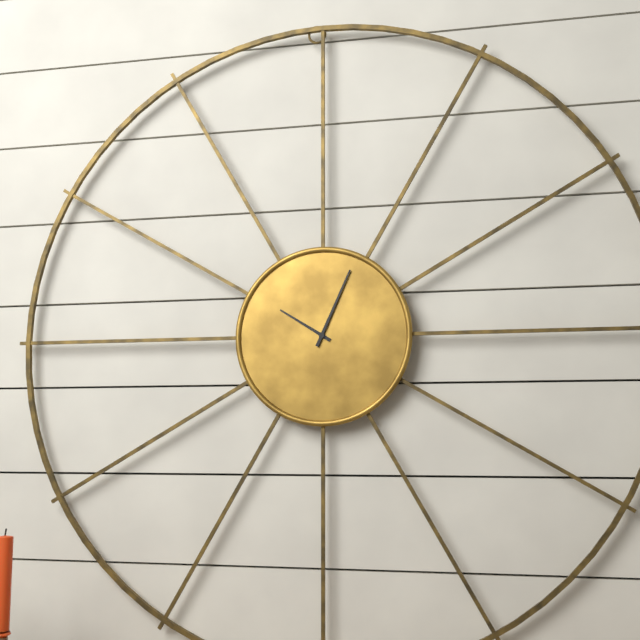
10h04
